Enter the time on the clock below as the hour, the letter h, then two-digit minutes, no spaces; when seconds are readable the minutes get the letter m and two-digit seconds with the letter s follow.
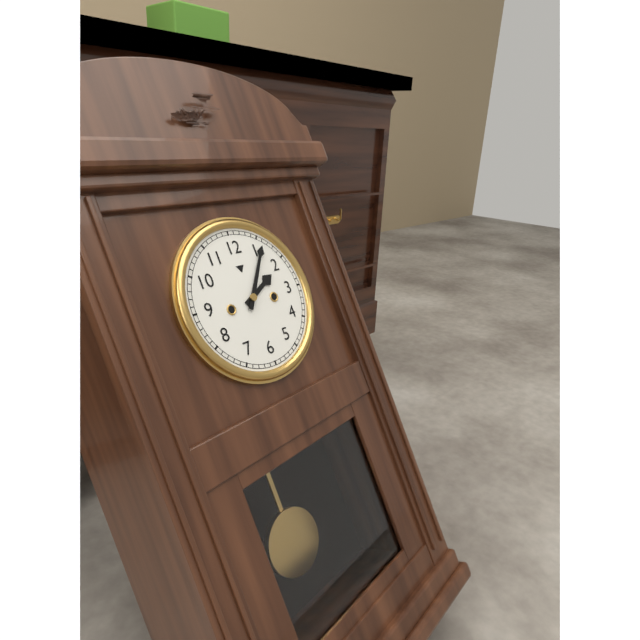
2h06
